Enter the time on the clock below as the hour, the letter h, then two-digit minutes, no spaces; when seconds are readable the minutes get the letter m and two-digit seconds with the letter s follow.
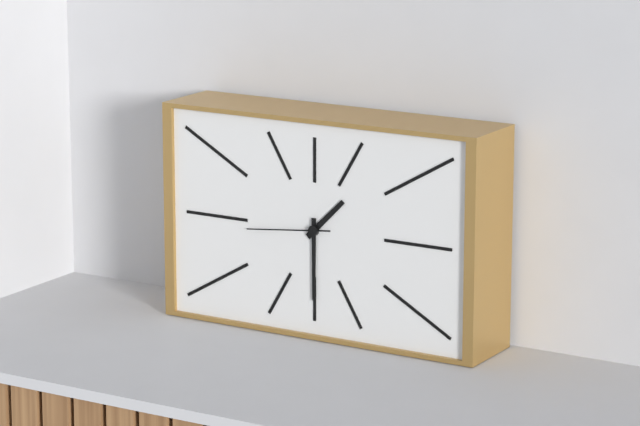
1h30m44s
